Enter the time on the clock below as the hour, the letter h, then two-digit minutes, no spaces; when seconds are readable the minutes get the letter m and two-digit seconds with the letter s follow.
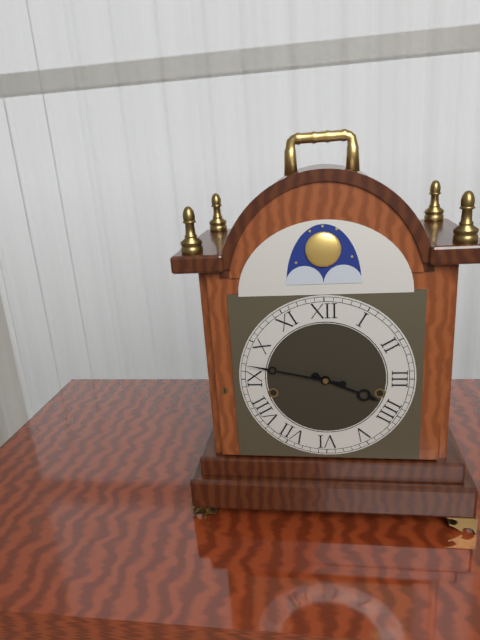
3h47
